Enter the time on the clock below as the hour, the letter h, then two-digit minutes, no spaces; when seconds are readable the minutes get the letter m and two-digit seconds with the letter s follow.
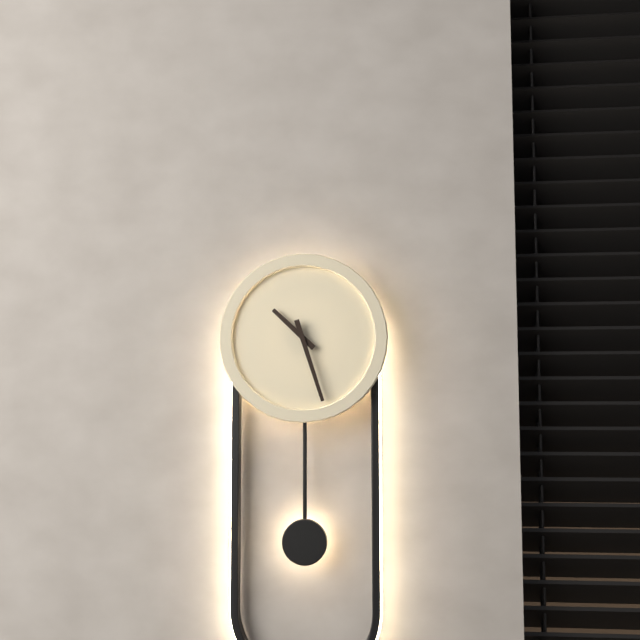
10h27
